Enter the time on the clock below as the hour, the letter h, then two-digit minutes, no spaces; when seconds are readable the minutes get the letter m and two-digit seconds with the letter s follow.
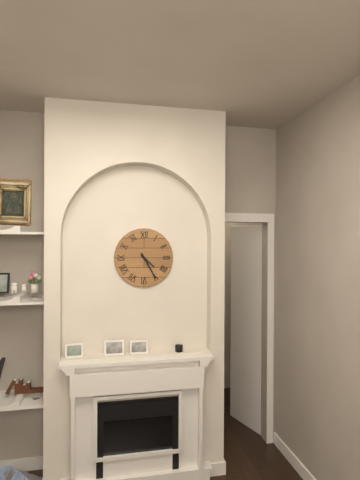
4h25
